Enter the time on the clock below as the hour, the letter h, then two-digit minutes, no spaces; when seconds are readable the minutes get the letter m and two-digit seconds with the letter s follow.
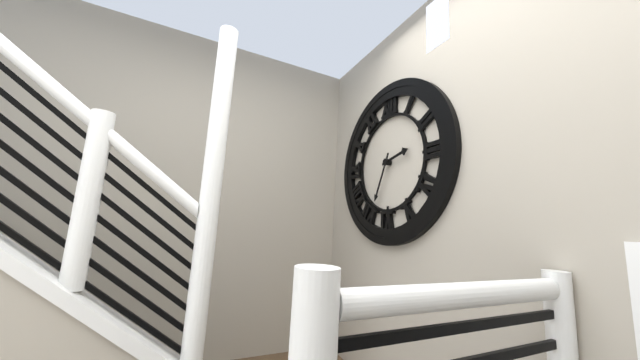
2h34
